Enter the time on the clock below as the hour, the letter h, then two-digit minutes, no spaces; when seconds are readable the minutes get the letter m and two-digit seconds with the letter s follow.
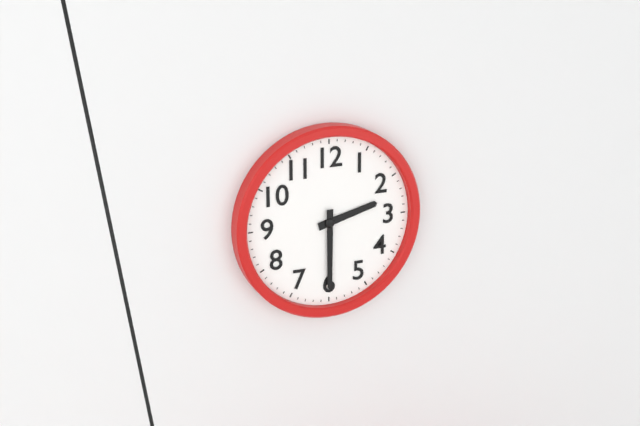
2h30
